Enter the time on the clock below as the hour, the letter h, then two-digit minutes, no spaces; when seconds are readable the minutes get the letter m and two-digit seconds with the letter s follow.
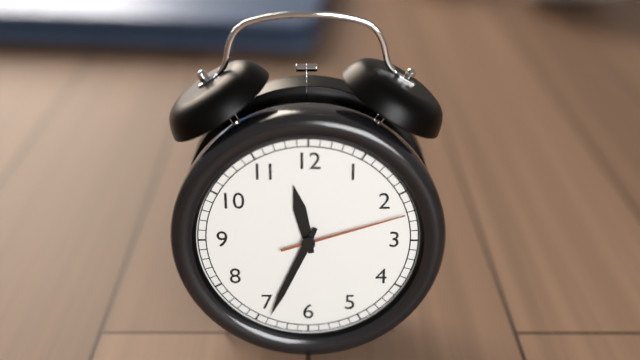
11h34m12s
